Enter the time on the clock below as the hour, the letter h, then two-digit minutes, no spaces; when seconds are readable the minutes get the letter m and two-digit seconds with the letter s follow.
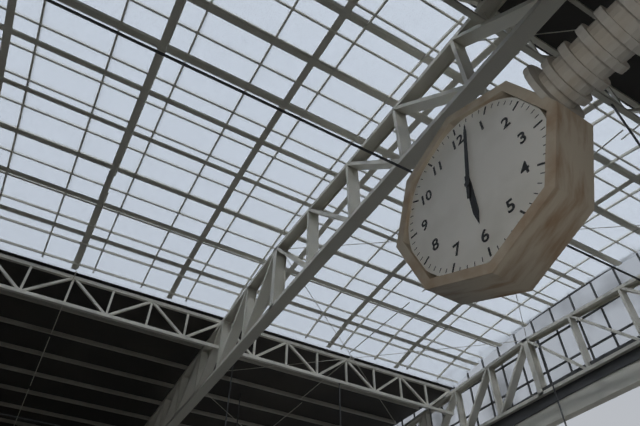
6h02
